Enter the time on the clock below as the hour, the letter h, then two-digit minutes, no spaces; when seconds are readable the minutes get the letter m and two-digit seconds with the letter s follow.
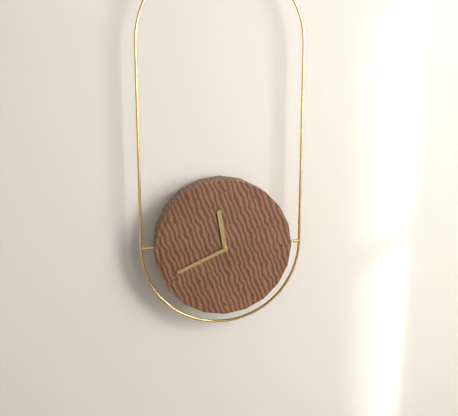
11h41
